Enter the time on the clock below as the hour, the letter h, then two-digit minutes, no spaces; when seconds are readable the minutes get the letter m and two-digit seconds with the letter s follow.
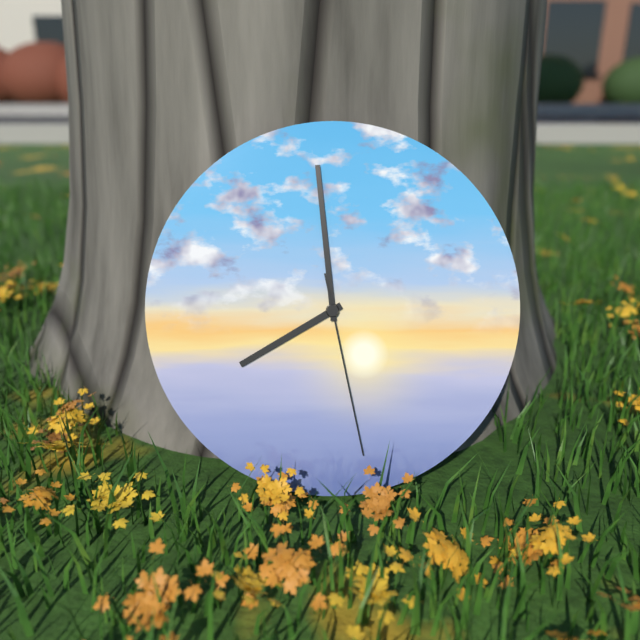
7h59m28s
